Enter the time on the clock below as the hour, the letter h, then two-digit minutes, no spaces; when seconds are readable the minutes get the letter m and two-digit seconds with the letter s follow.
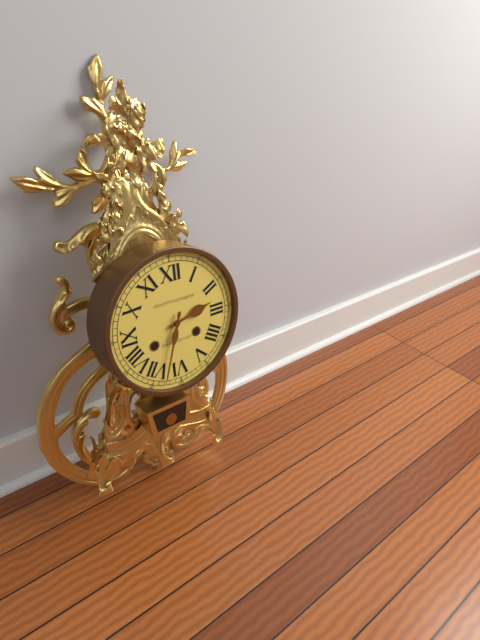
2h33
